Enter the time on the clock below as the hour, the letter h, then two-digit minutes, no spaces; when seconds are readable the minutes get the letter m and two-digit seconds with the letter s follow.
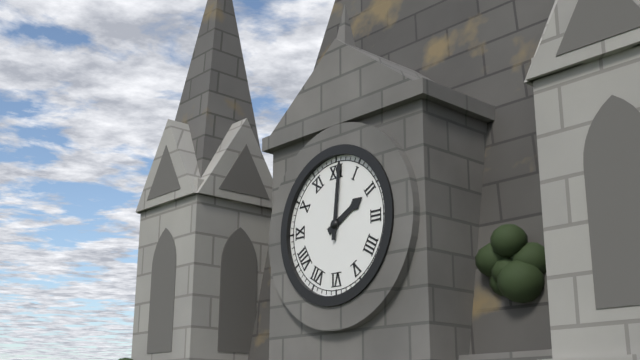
2h01
